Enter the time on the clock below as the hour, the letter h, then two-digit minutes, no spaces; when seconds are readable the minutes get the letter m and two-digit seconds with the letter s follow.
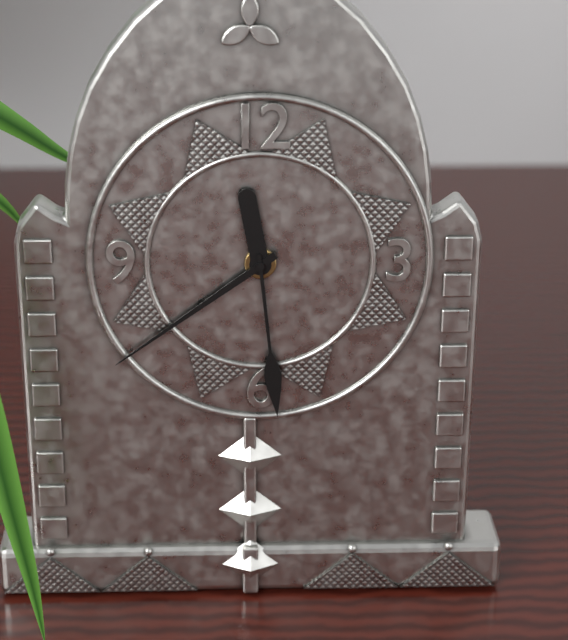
11h39m29s
